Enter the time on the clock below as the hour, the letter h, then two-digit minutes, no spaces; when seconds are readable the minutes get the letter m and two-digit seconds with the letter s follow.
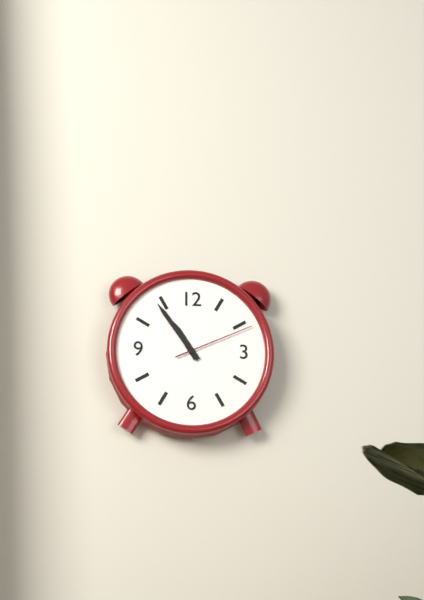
10h54m11s
